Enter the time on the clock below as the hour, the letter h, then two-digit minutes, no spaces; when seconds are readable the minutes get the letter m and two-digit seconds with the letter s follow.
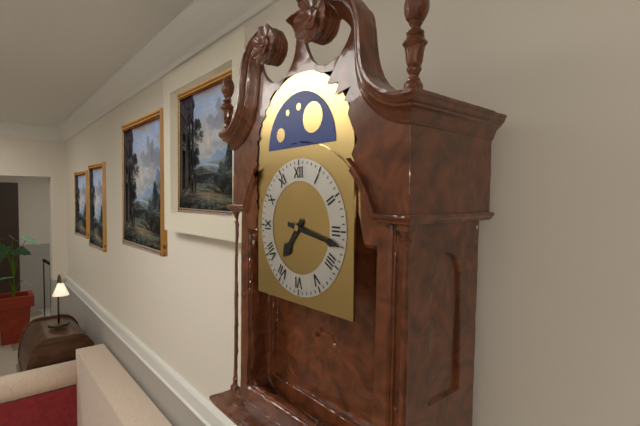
7h17
